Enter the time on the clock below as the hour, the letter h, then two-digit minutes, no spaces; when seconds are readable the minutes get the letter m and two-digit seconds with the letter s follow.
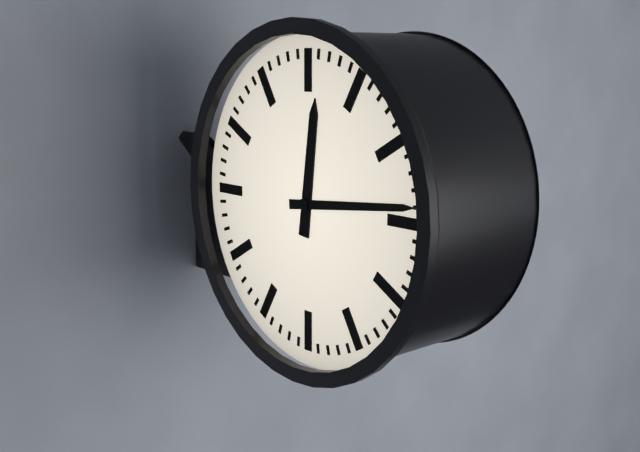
12h14
